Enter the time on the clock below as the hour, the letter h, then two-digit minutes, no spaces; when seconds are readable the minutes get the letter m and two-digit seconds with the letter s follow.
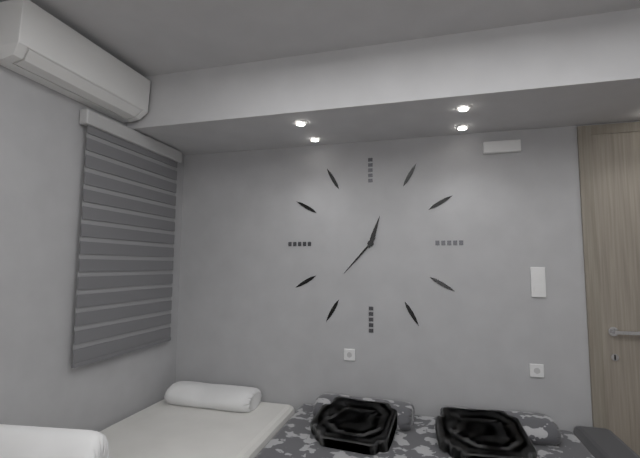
12h37
